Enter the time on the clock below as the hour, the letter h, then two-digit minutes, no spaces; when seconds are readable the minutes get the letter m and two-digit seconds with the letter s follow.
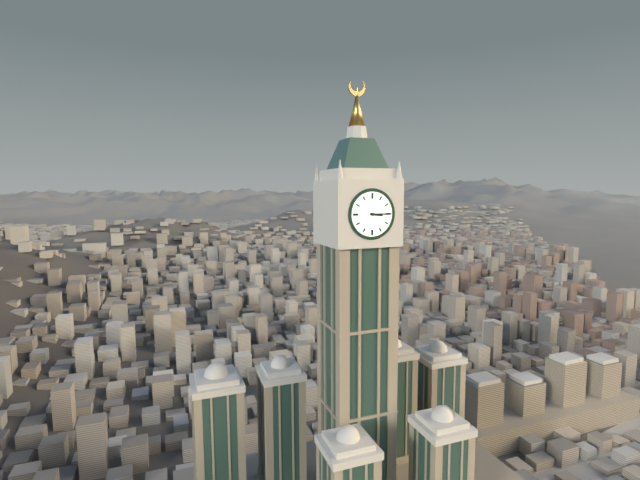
3h15
